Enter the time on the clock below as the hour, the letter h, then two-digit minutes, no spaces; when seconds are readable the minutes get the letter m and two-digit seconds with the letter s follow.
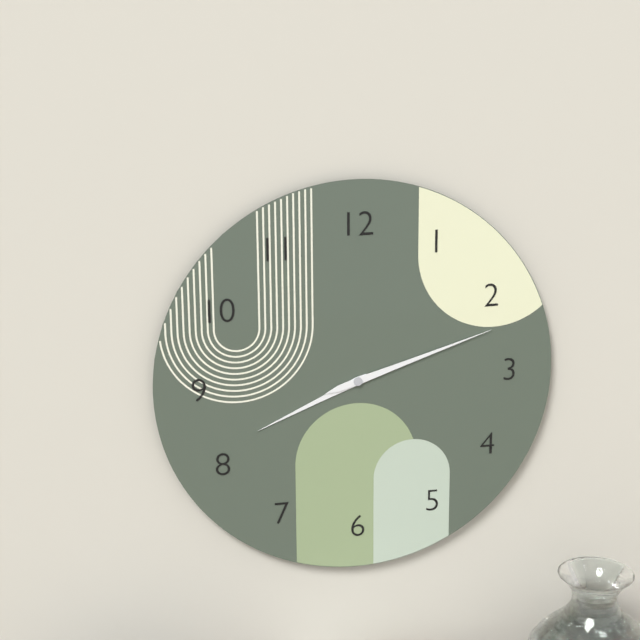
8h12
